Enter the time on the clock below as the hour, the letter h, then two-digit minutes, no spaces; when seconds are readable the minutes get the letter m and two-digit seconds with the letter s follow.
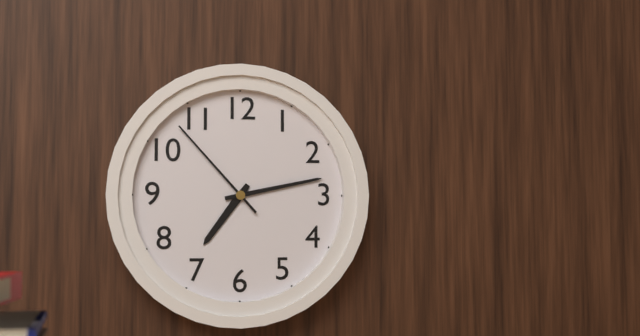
7h13m53s
